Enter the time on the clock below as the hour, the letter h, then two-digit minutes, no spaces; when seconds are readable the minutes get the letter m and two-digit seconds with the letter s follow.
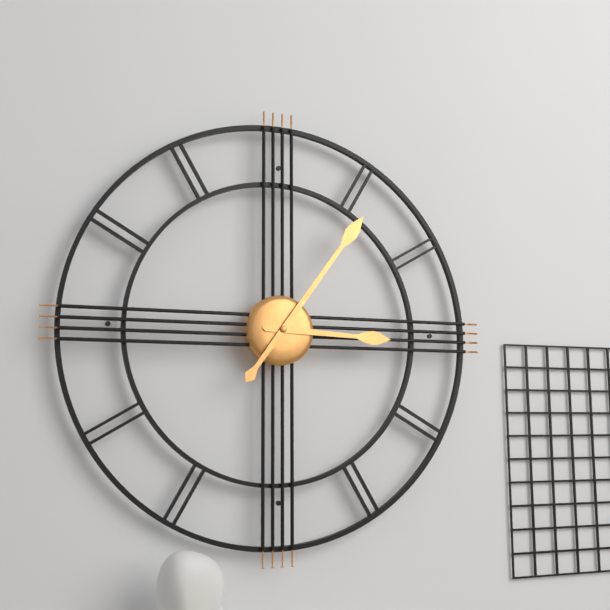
3h06
